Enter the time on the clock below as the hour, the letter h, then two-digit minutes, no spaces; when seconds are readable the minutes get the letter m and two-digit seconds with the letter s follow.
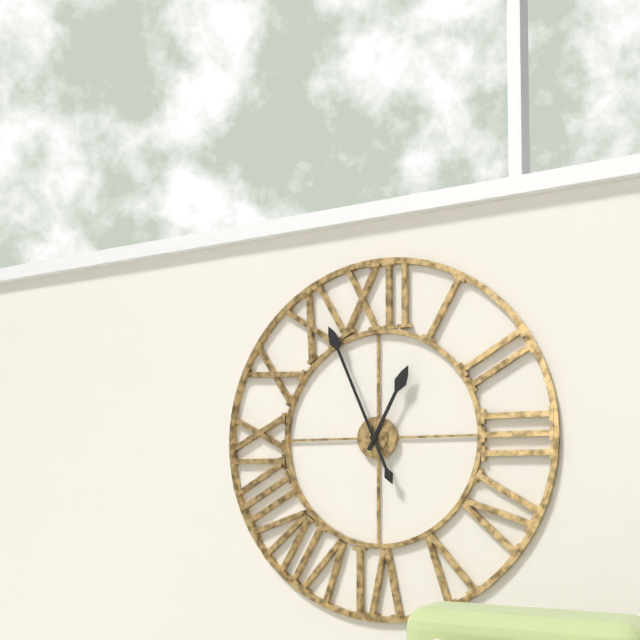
12h56
